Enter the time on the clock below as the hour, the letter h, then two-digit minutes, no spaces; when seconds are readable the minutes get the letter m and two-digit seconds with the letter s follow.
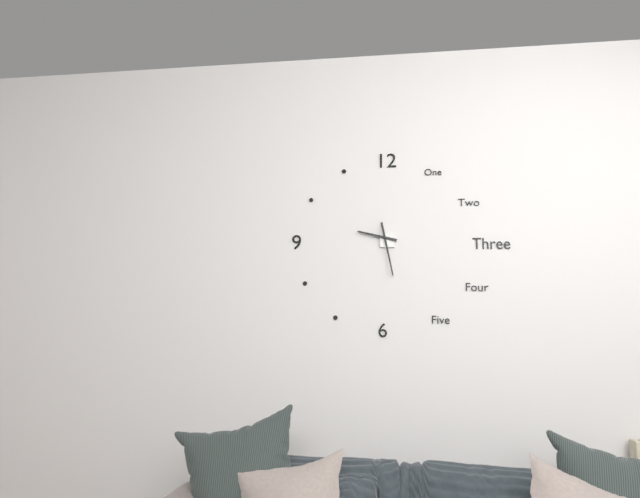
9h28
